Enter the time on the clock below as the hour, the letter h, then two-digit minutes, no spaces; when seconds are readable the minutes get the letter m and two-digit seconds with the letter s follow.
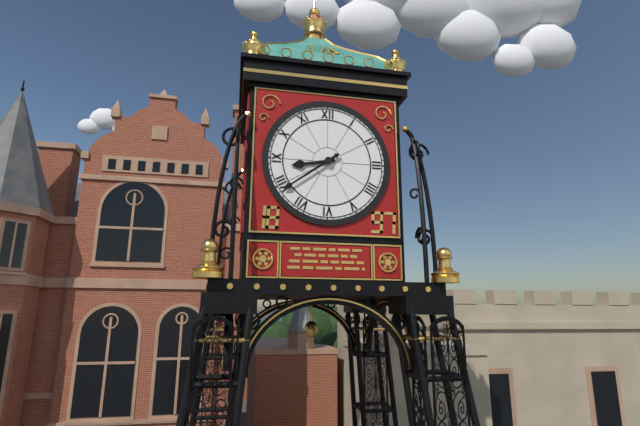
8h39
